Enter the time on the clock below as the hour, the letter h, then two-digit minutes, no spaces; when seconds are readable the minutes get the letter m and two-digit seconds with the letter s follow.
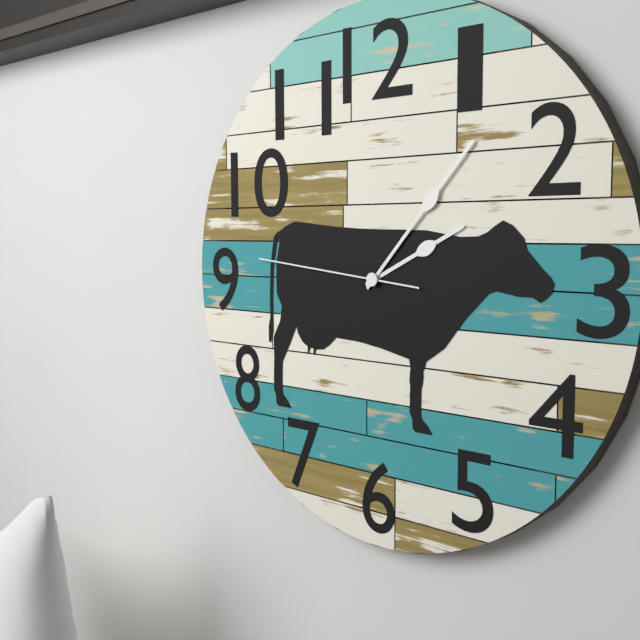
2h07m46s
